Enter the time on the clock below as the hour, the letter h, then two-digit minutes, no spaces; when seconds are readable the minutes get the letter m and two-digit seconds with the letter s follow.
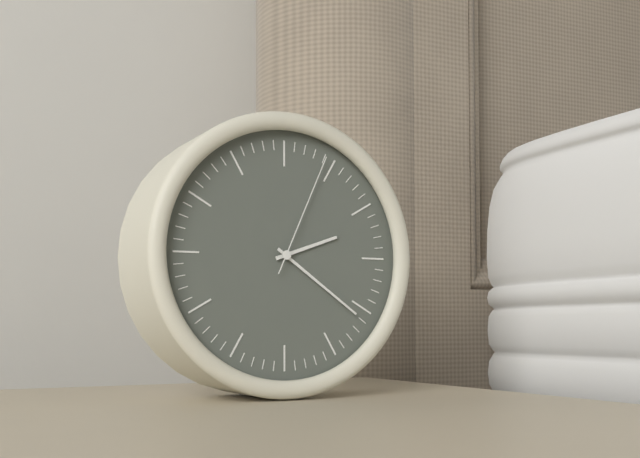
2h21m04s
